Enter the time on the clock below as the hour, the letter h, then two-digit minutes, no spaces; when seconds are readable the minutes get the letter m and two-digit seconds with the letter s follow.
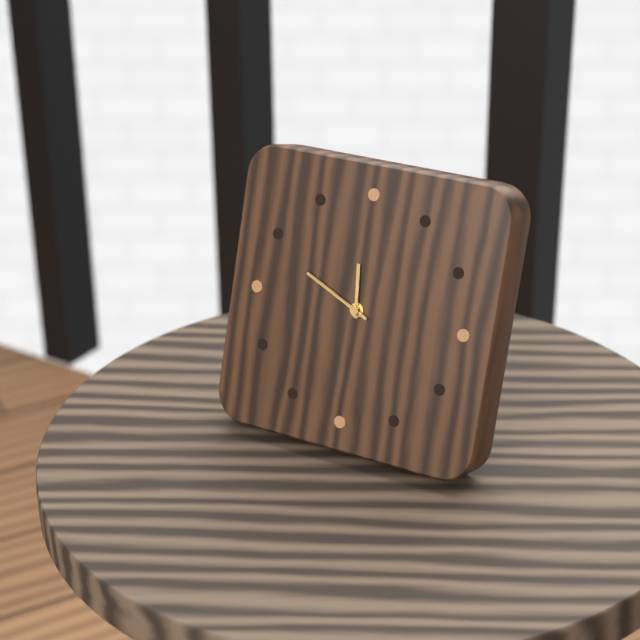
11h49
